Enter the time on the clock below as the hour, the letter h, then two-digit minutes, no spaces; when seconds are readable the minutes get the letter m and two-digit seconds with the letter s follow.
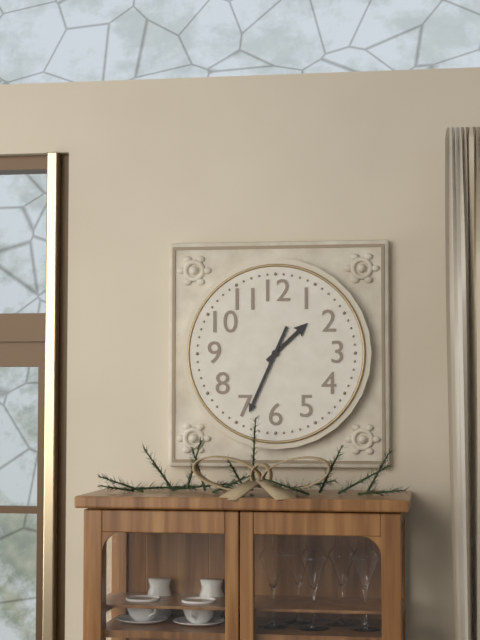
1h34
